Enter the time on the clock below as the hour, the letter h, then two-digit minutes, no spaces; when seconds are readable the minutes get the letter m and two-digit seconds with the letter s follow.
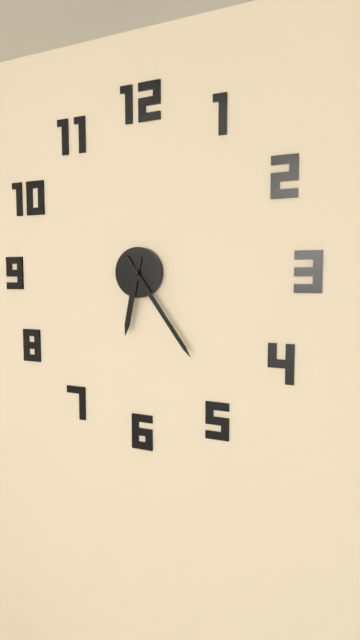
6h24
